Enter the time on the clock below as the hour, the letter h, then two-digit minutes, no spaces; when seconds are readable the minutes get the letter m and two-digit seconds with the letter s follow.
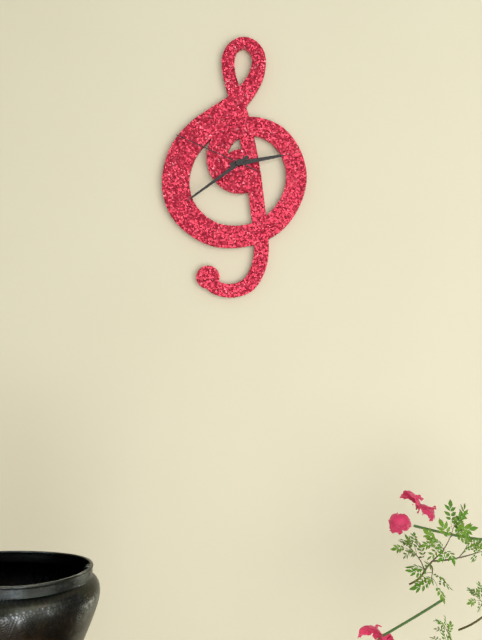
2h39m49s
